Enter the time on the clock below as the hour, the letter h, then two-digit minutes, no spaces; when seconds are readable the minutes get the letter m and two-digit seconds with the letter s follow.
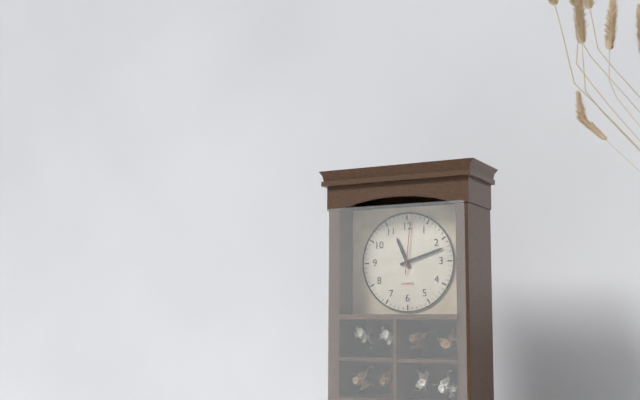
11h12m01s
